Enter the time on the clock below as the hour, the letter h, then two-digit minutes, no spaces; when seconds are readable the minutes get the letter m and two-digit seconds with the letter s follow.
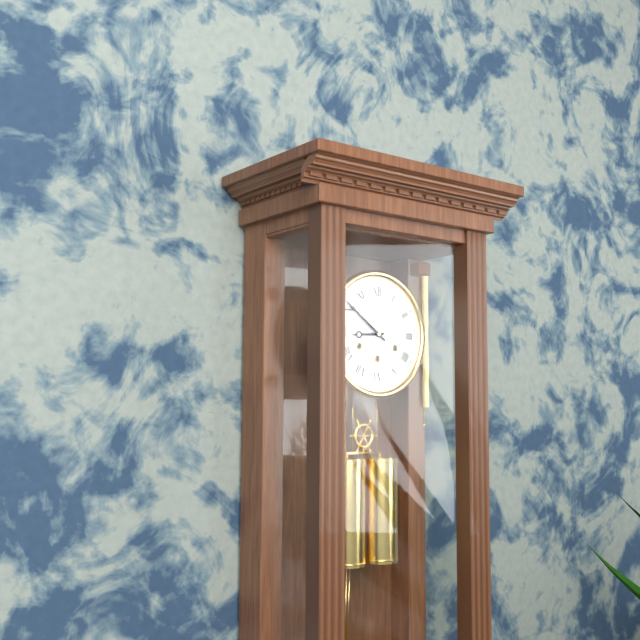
8h51
